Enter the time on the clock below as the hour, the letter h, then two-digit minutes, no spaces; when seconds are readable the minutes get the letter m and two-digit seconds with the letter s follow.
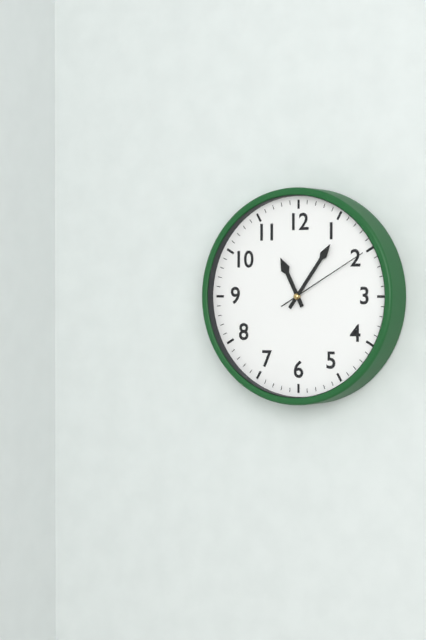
11h06m10s
